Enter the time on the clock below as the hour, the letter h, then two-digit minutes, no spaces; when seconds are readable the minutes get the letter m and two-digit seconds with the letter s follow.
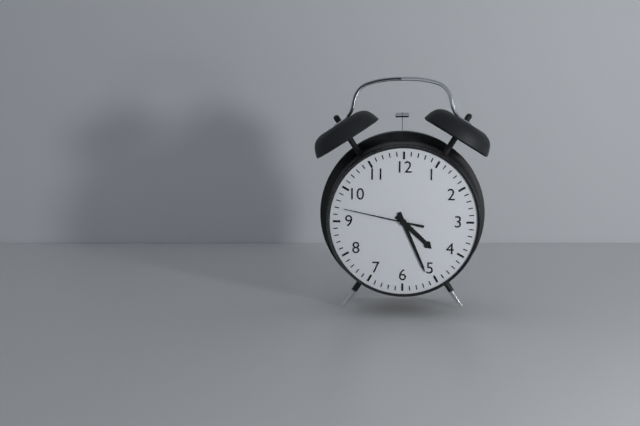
4h26m47s
